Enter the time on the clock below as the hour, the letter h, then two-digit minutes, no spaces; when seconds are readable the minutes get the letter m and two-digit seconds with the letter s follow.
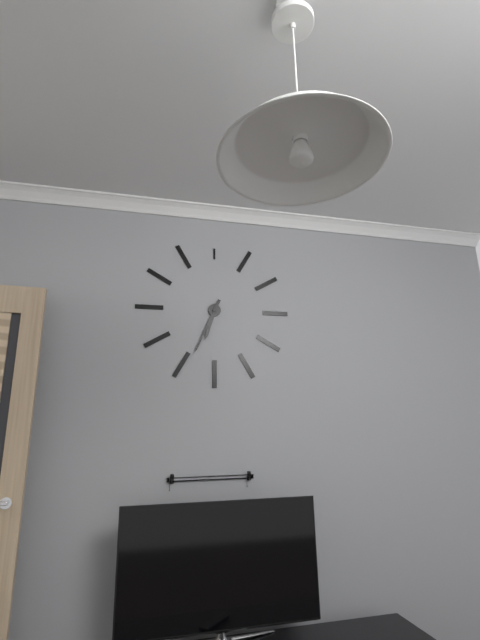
6h34
